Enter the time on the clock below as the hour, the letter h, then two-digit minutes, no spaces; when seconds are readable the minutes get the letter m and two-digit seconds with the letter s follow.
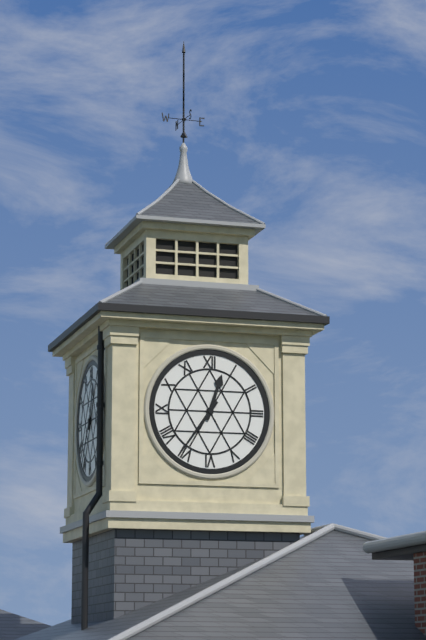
12h36
